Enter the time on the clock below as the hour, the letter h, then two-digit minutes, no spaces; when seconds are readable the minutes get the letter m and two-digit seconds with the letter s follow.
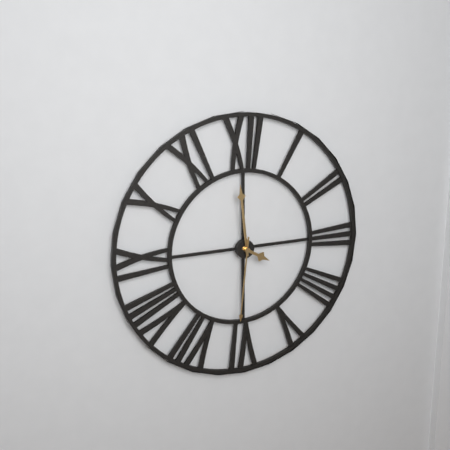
3h59m31s
